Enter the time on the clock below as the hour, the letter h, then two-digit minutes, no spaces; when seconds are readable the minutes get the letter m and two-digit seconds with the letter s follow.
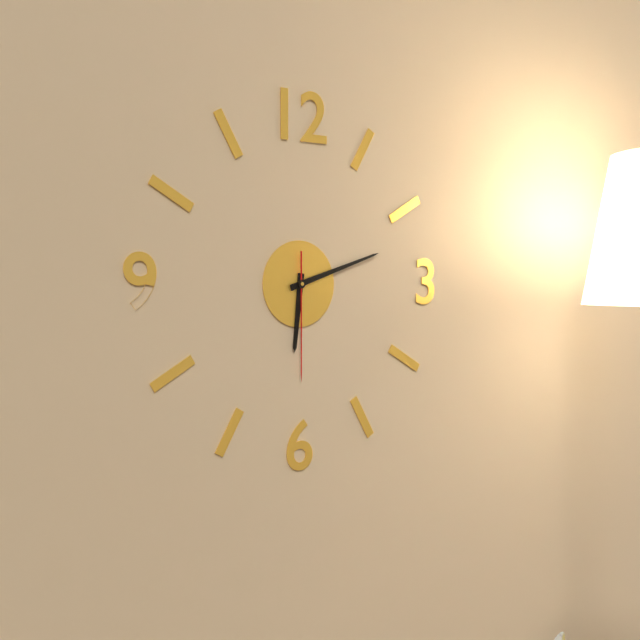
6h12m30s
